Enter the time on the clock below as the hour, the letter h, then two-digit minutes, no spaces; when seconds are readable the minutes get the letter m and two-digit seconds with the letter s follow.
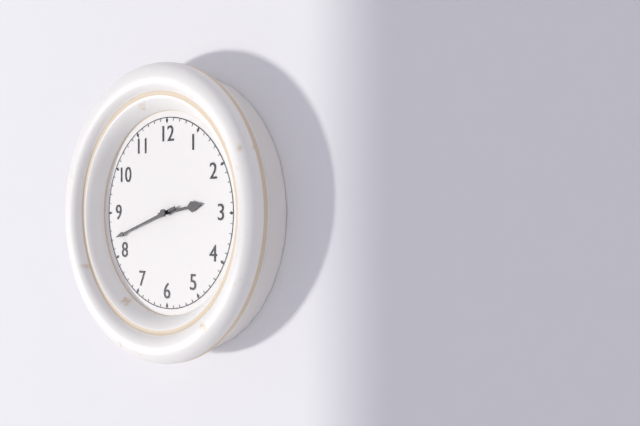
2h42
